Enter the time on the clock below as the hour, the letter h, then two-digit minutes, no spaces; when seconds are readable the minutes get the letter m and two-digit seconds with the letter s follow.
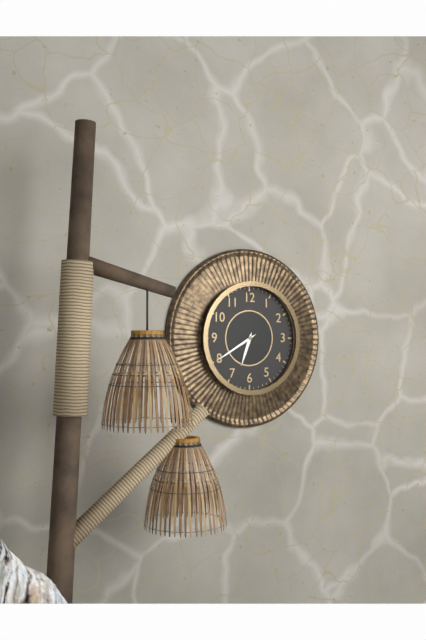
6h40
